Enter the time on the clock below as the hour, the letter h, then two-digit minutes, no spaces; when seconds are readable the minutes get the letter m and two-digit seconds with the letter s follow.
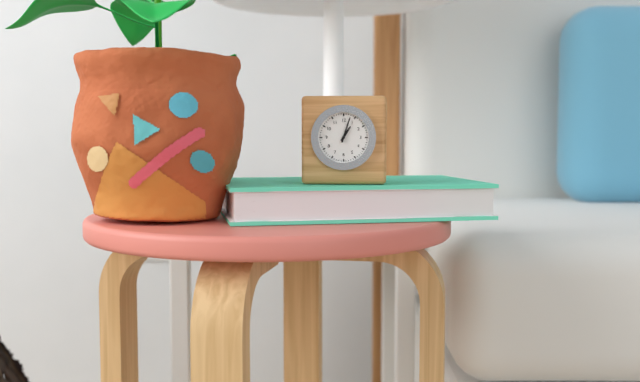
1h03
